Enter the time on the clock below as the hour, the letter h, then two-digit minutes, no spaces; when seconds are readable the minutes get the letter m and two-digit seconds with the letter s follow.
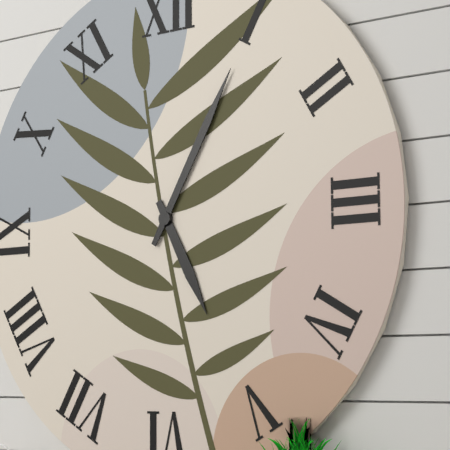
5h05
